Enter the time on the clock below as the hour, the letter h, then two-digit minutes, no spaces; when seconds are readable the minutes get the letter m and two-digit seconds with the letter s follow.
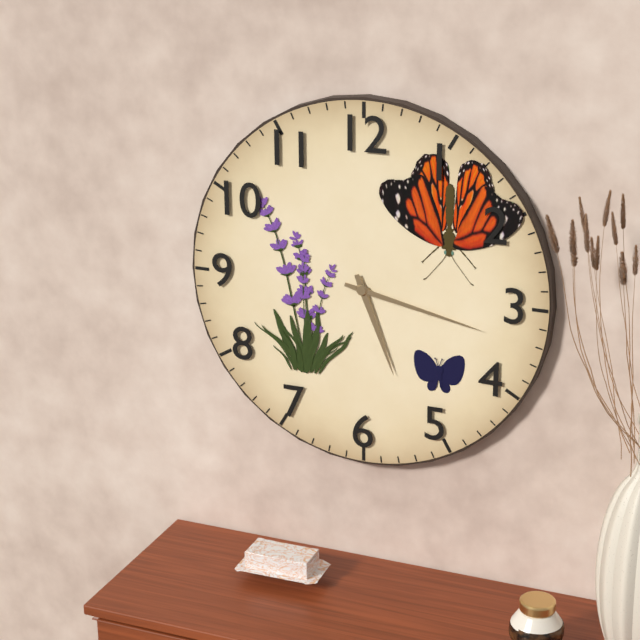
5h17
